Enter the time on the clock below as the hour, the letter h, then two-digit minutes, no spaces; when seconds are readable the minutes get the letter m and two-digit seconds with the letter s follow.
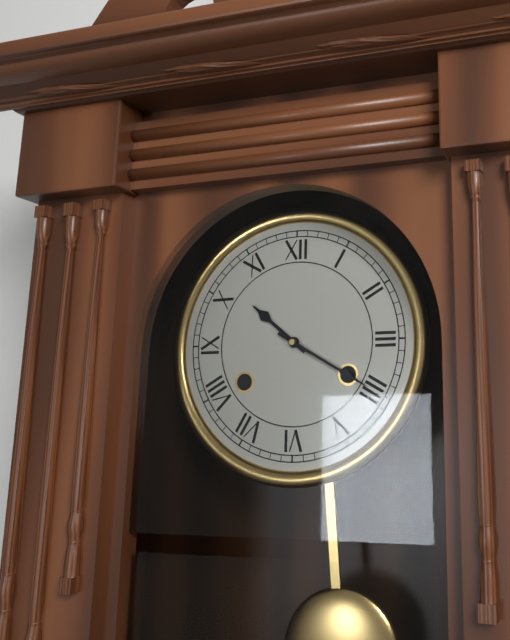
10h20
